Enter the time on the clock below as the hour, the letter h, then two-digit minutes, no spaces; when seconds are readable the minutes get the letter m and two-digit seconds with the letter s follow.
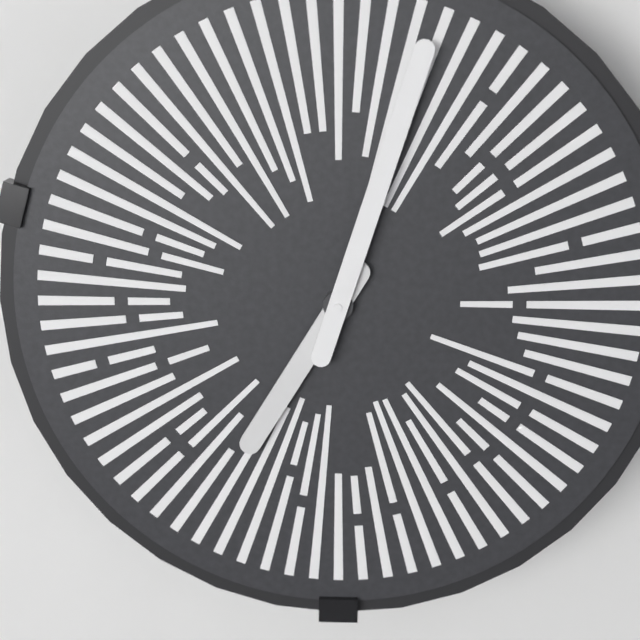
7h03
